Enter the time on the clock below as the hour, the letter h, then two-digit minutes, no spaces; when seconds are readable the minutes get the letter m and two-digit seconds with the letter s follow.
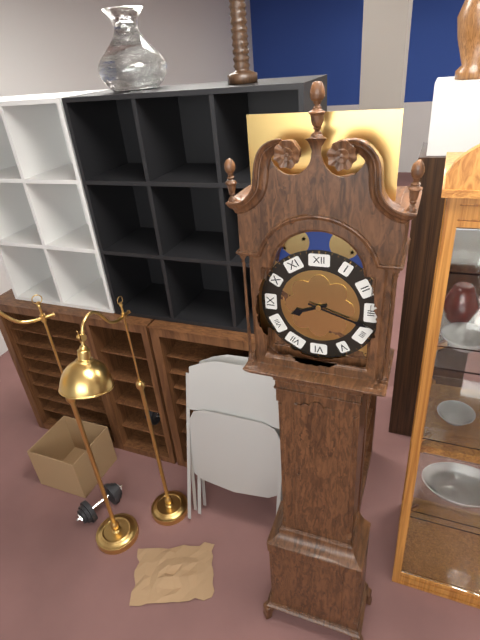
8h18
